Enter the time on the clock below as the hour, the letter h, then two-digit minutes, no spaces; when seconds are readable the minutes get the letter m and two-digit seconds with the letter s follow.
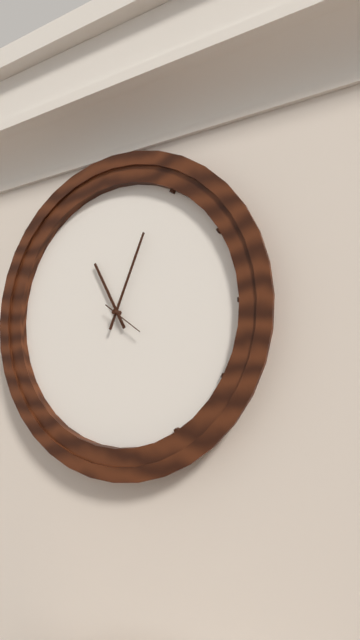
11h04
